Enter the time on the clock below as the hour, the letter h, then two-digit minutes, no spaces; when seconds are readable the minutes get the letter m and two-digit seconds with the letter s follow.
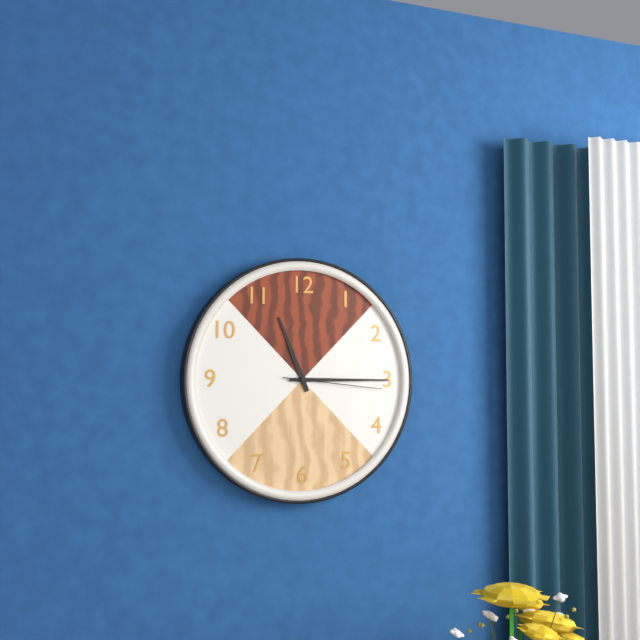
11h15m16s
